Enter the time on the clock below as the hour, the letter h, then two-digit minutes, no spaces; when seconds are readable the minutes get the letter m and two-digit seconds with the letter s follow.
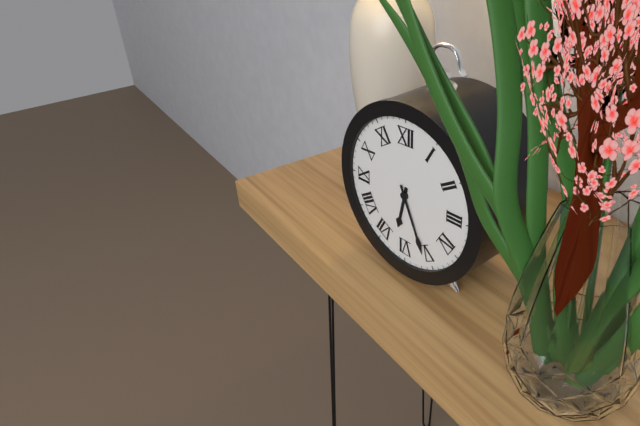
6h26
